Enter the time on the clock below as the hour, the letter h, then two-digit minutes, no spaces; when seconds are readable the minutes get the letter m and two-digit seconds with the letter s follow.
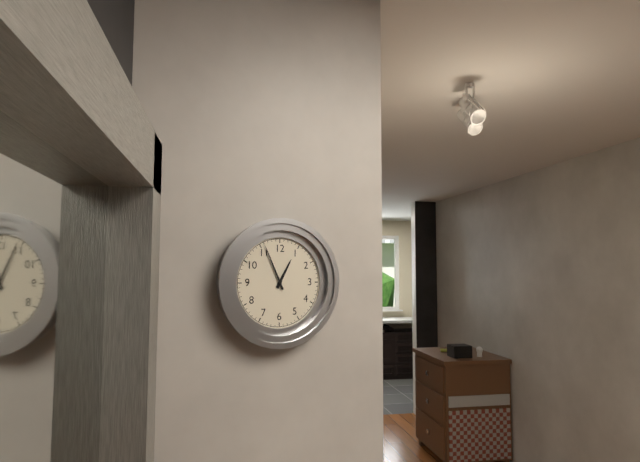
12h56
